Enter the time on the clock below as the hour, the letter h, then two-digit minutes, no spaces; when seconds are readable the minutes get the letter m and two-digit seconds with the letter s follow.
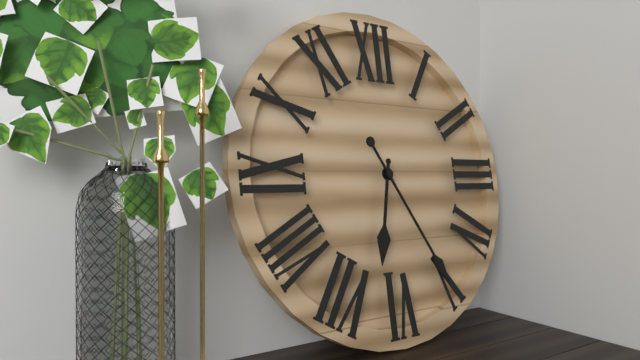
6h25
